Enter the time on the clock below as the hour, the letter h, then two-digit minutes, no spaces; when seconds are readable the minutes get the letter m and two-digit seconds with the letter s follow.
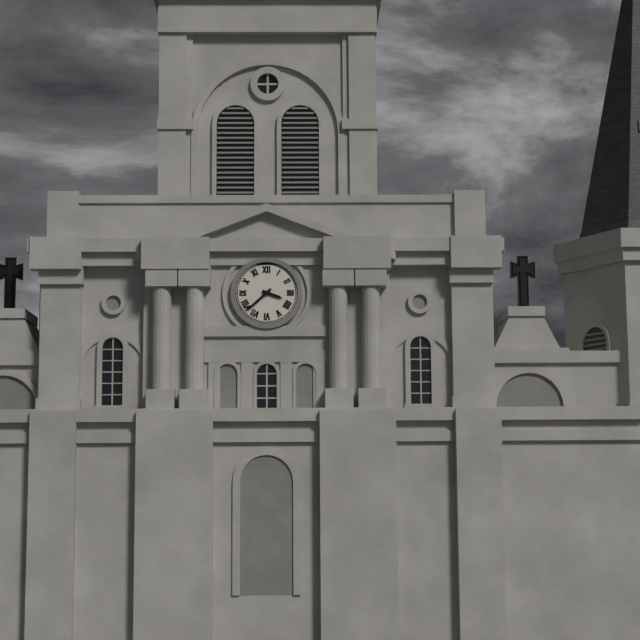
3h38
